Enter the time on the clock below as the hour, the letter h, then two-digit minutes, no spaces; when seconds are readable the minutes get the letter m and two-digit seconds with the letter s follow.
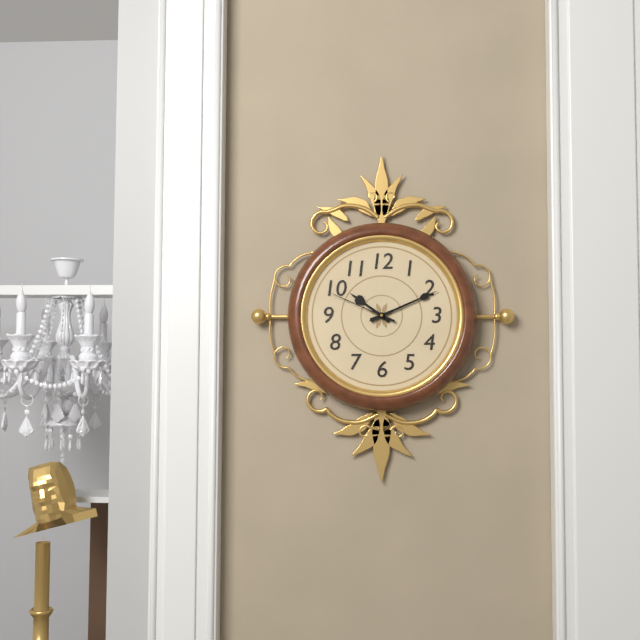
10h11m49s
